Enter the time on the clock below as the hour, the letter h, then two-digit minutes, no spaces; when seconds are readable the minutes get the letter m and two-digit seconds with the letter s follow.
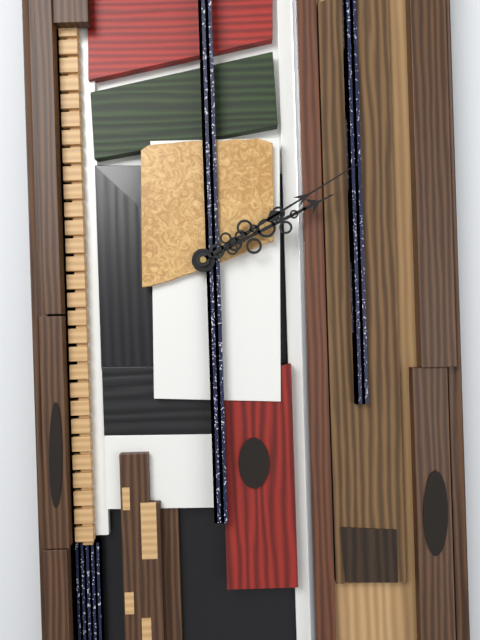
2h10
